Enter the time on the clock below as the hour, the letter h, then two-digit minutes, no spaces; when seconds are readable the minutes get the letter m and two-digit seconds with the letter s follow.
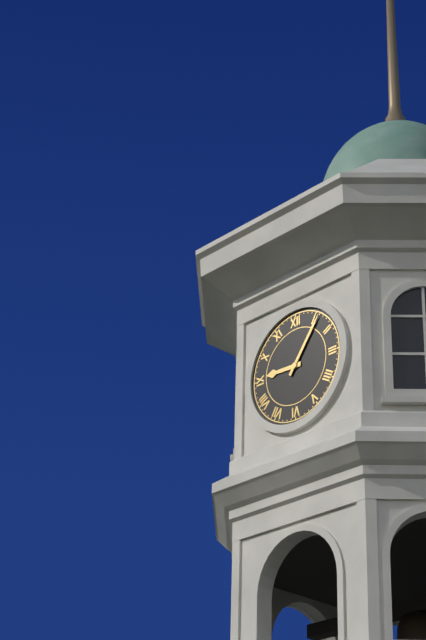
9h06
